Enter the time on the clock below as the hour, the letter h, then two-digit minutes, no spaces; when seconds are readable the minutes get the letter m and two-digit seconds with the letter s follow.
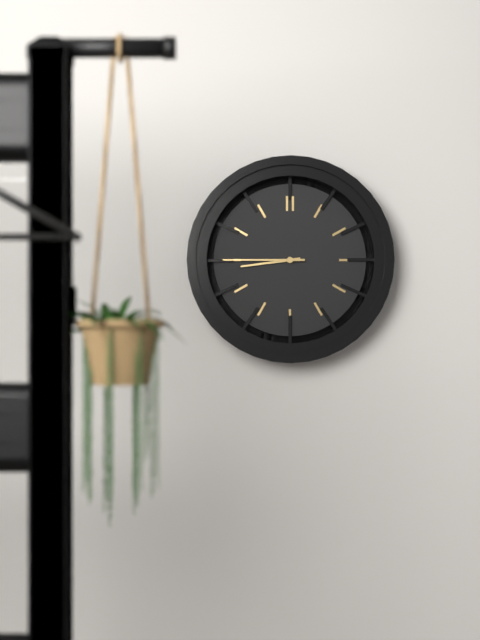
8h45
